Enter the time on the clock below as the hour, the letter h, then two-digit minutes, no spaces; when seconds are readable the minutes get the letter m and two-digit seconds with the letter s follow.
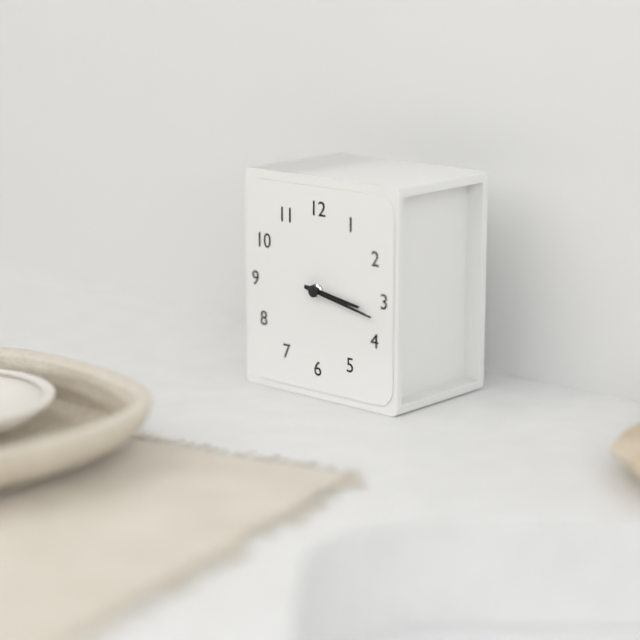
3h17
